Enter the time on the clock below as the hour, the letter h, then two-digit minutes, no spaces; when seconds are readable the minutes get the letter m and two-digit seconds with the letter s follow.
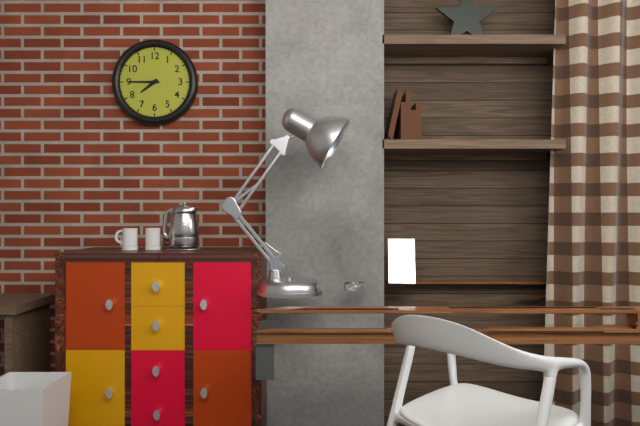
7h45
